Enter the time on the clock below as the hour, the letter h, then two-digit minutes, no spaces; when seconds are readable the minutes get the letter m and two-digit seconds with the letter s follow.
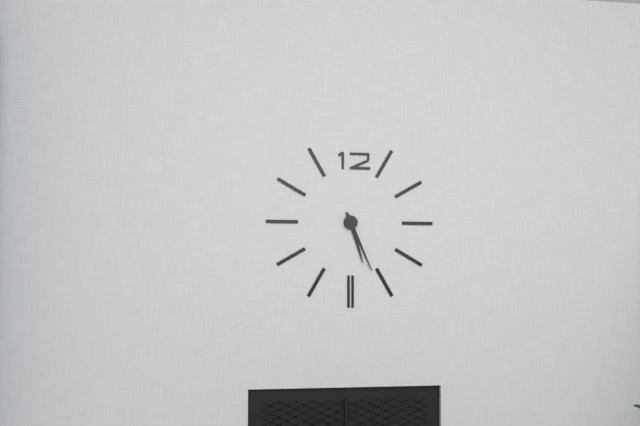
5h26
